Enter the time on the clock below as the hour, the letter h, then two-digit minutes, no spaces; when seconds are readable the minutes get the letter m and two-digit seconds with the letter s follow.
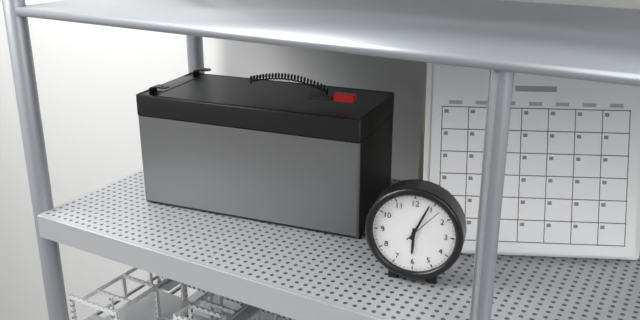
6h04
